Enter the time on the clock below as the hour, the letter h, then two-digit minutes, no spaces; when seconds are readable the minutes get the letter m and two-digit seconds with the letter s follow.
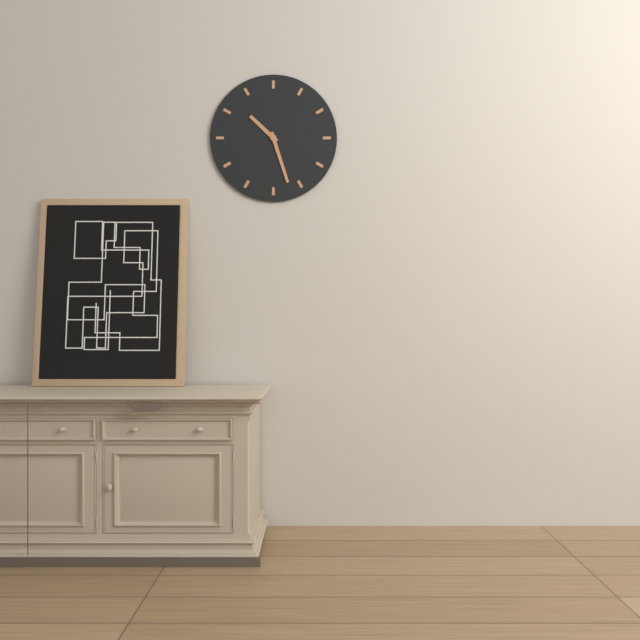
10h27
